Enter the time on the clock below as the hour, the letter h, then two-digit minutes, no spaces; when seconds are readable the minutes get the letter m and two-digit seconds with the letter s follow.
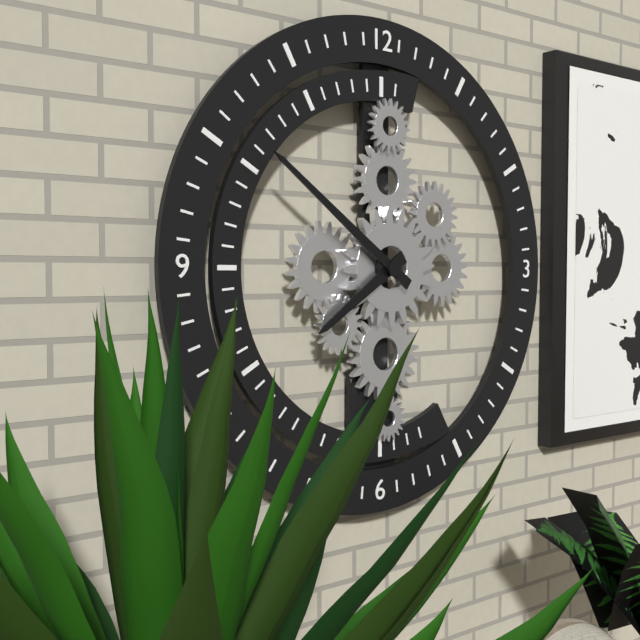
7h51
